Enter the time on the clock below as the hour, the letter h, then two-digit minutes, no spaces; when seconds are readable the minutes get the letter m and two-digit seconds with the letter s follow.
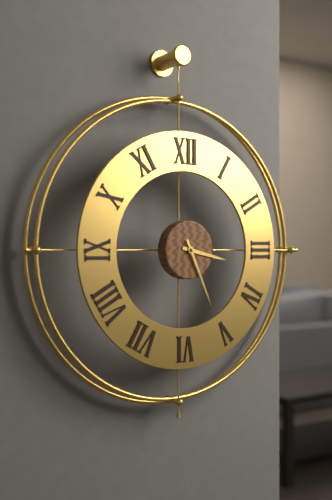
3h26
